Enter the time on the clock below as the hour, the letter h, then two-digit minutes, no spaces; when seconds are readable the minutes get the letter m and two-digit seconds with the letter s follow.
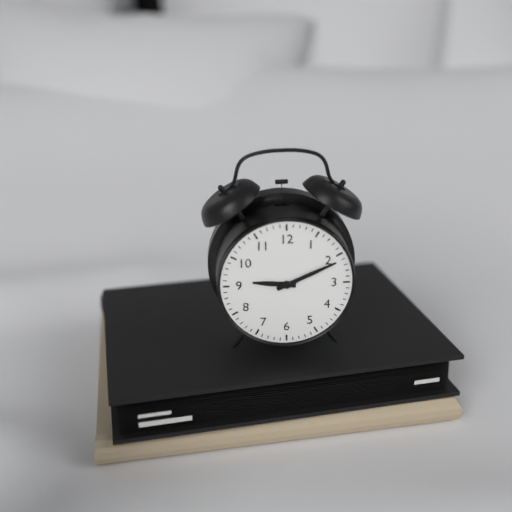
9h11
